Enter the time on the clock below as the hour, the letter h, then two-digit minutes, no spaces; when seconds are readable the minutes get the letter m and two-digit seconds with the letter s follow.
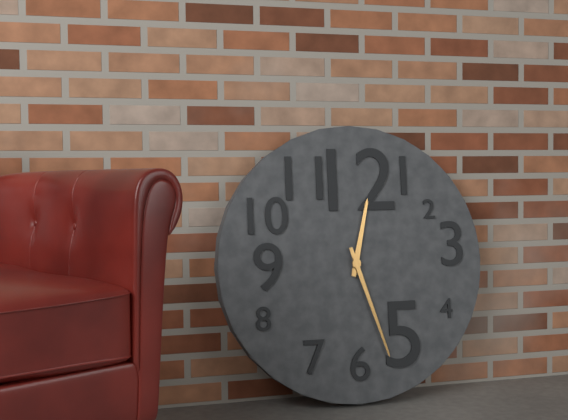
12h27
